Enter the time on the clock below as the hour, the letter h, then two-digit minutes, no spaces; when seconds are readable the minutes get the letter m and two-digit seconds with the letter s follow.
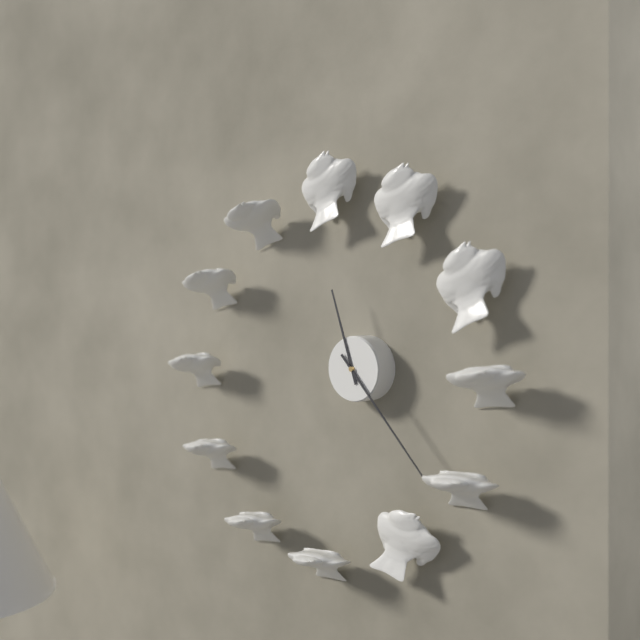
11h23
